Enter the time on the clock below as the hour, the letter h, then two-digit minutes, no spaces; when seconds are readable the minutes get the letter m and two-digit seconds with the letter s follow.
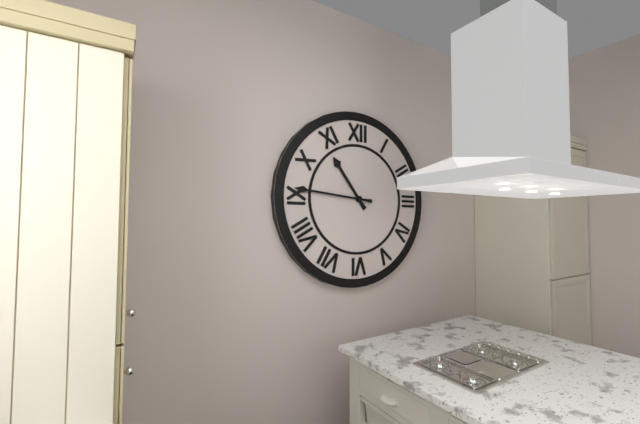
10h46
